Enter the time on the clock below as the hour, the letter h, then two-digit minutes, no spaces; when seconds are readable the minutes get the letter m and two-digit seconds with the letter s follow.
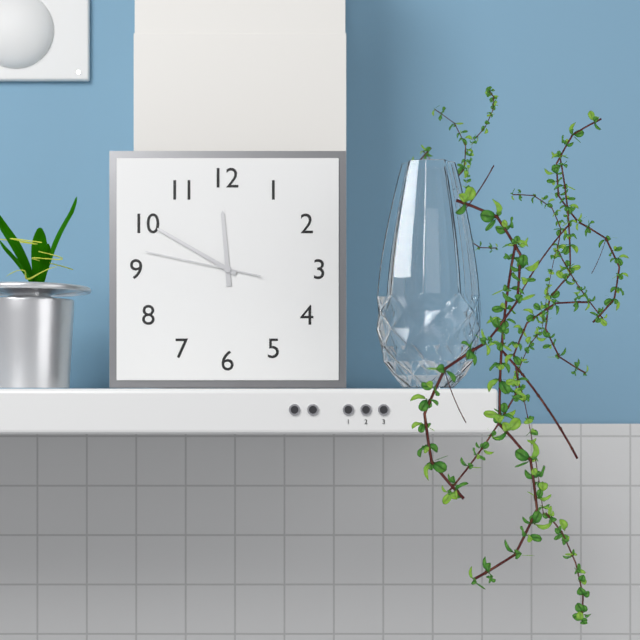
11h50m47s
